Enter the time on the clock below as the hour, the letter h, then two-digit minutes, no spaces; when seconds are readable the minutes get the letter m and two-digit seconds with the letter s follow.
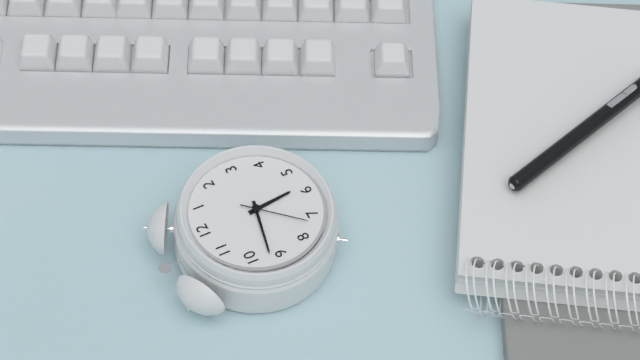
5h47m37s
